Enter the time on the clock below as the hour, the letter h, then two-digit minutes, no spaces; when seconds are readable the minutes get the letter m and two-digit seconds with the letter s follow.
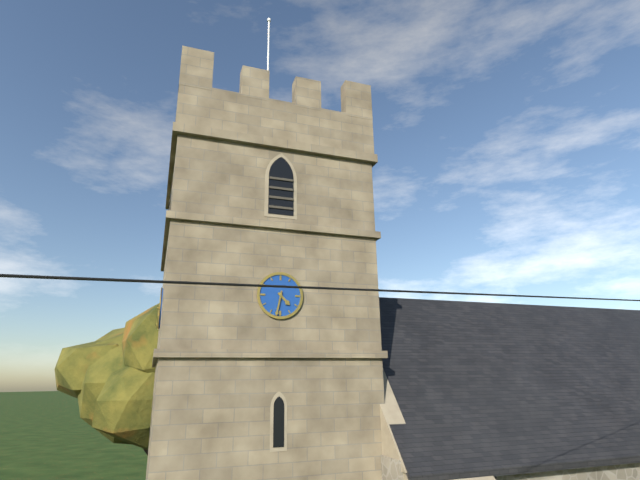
4h32
